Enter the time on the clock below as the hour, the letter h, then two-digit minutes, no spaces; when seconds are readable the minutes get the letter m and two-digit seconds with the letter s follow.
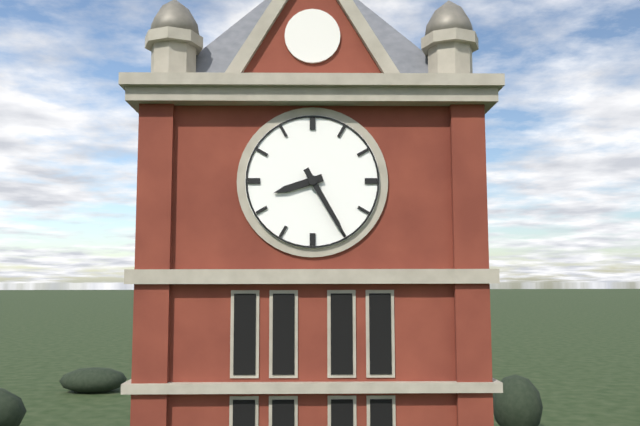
8h25
